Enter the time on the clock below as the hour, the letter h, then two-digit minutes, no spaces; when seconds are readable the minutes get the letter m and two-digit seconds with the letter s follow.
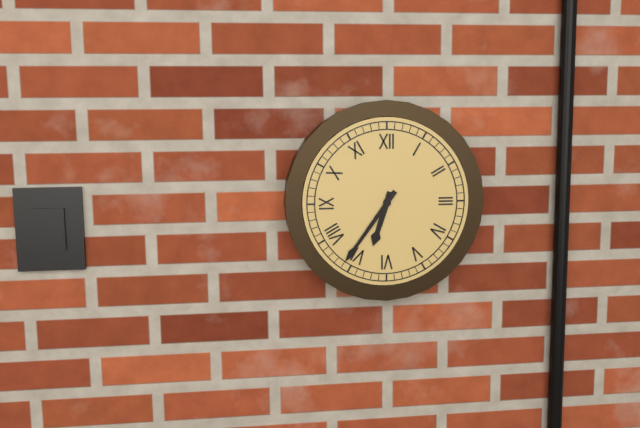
6h36
